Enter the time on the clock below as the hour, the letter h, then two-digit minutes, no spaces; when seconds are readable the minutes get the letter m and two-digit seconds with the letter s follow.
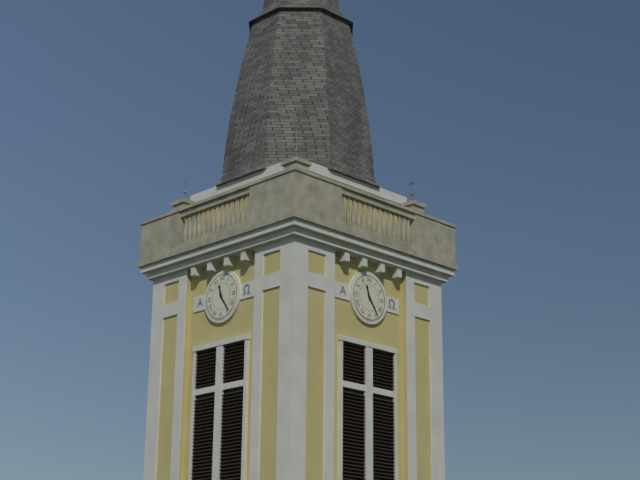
11h24
